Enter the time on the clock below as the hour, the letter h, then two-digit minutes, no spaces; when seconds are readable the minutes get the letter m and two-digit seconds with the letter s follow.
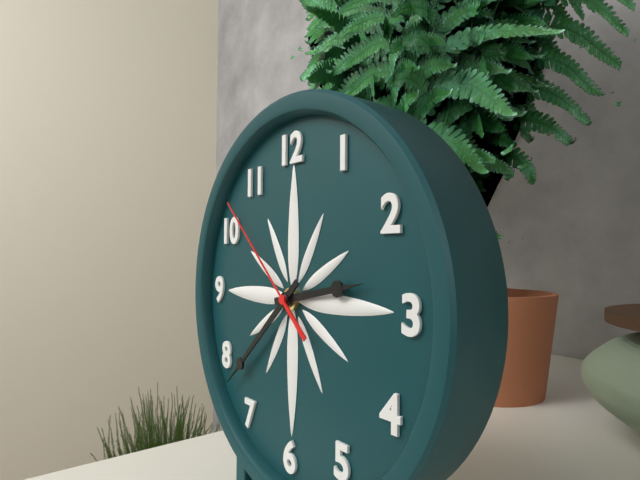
2h38m52s
